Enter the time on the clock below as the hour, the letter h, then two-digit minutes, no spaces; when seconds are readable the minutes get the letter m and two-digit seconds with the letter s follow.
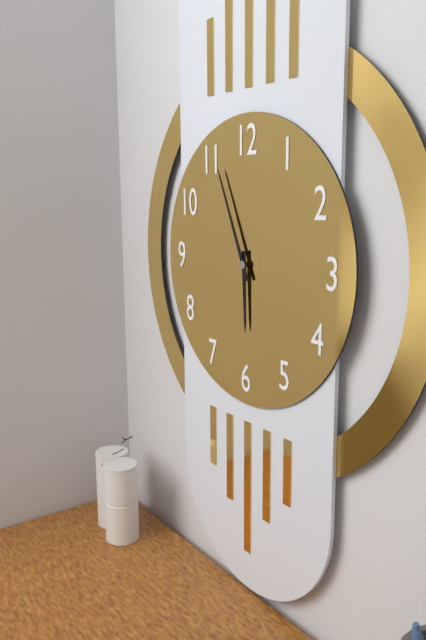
5h56
